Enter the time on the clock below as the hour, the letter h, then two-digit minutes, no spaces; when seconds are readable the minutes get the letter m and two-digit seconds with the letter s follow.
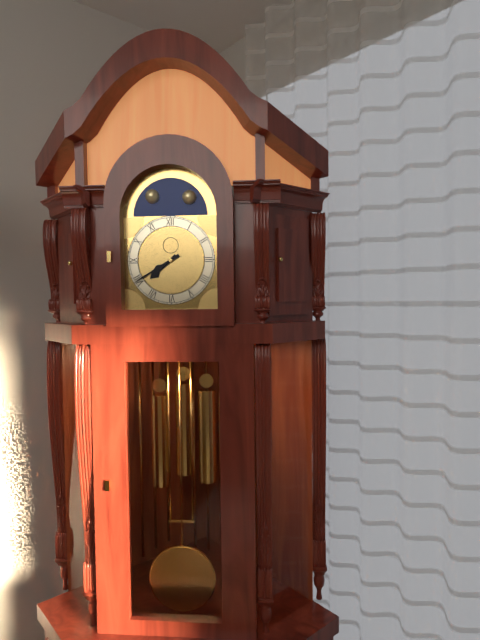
7h40
